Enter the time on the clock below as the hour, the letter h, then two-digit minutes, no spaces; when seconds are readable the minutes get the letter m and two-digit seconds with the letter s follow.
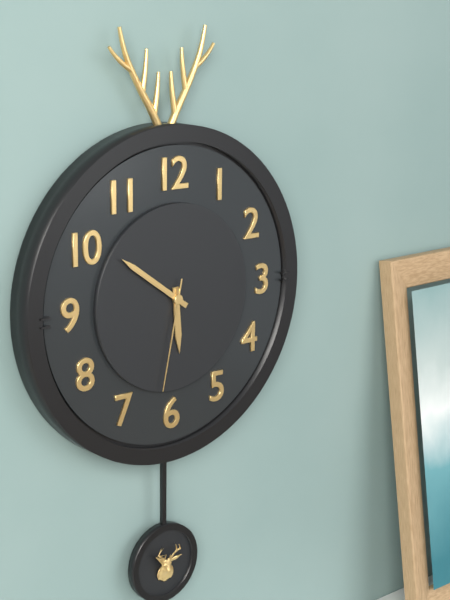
5h51m32s
